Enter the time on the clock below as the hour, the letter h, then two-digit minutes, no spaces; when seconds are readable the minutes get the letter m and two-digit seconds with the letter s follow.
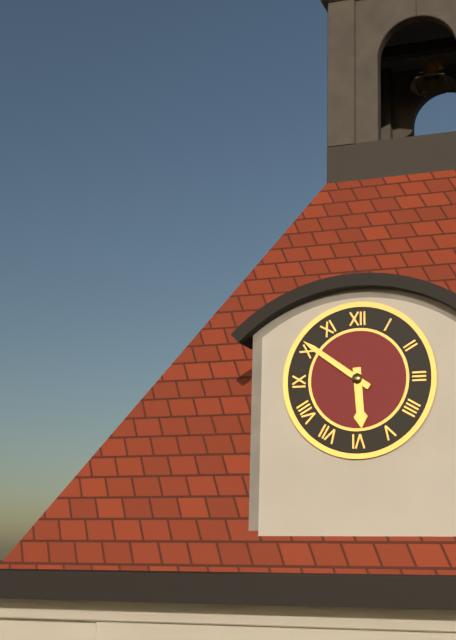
5h51
